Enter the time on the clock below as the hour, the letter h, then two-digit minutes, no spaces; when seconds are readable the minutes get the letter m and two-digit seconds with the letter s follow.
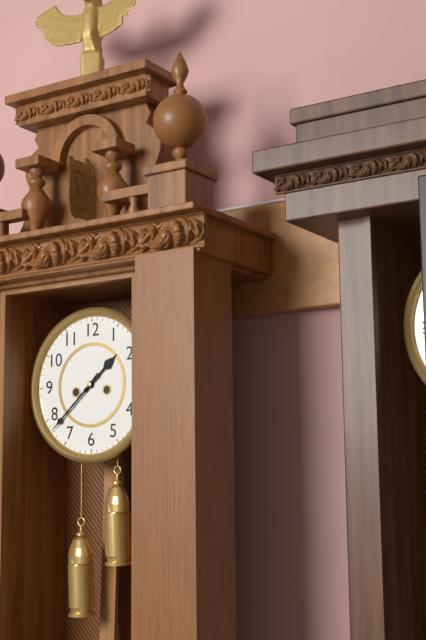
1h38
